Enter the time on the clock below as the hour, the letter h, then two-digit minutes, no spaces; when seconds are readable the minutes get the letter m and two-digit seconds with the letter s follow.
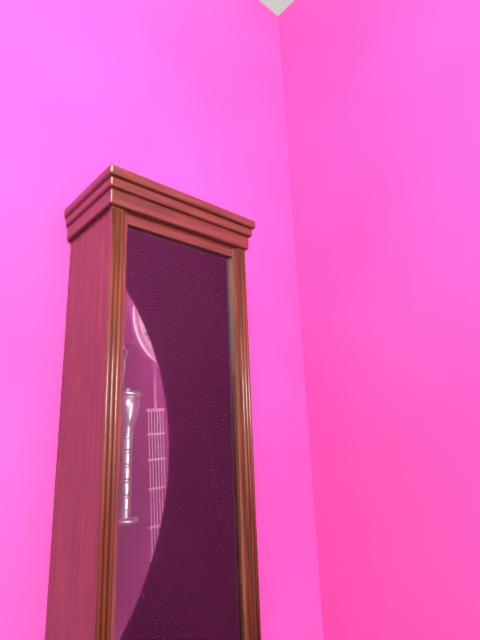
4h56
